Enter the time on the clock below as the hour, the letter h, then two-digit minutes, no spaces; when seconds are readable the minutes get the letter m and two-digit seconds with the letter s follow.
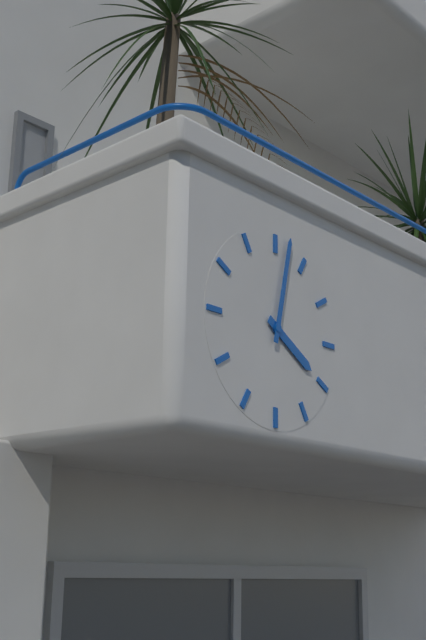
4h02
